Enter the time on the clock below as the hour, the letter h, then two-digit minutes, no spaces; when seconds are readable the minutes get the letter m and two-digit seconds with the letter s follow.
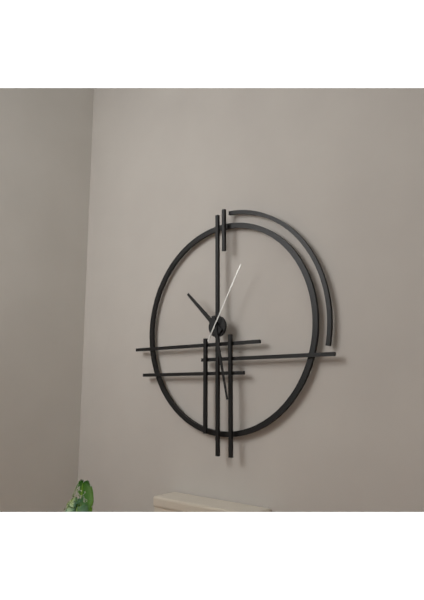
10h28m05s
